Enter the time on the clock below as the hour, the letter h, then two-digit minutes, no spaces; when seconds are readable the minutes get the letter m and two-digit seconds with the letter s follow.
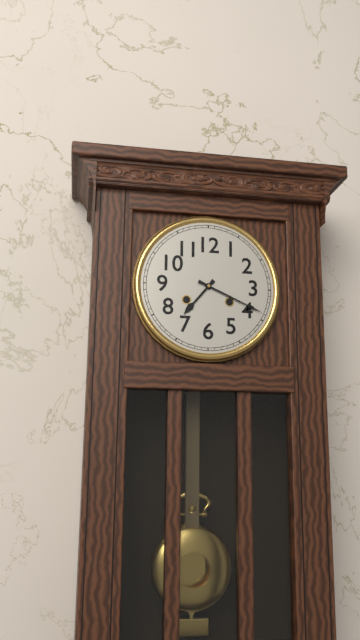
7h19
